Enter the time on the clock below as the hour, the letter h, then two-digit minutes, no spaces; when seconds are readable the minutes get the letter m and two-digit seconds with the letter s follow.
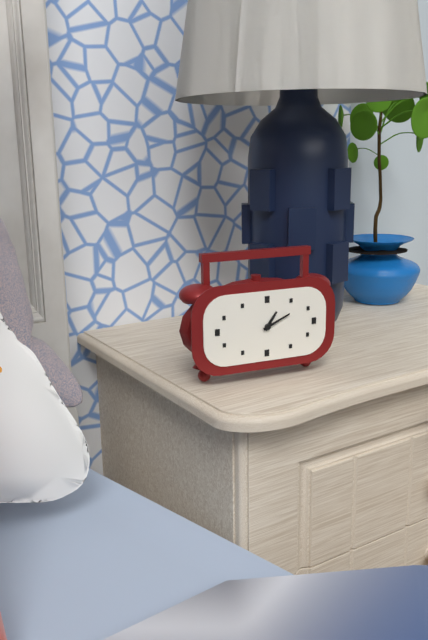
1h11
